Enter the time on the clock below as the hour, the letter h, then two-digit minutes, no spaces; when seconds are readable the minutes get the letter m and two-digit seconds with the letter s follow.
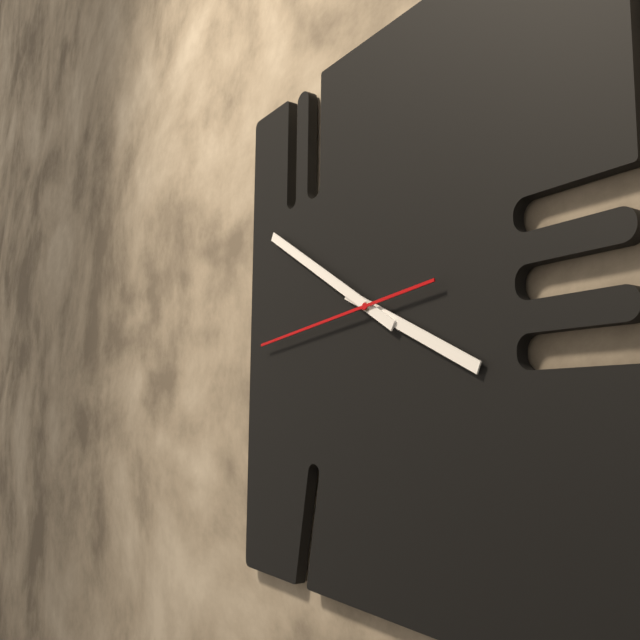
3h50m44s
